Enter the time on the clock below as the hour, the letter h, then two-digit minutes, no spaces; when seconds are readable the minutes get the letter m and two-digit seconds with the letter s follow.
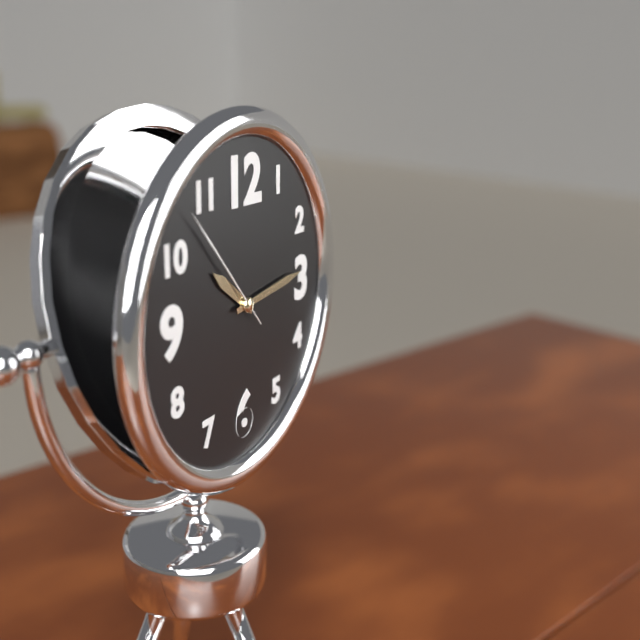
10h14m53s
